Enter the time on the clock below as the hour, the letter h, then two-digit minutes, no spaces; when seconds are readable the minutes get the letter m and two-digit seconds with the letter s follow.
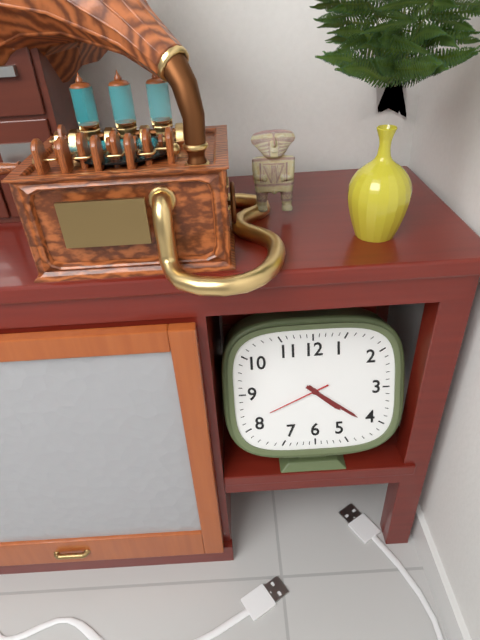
4h21m41s
